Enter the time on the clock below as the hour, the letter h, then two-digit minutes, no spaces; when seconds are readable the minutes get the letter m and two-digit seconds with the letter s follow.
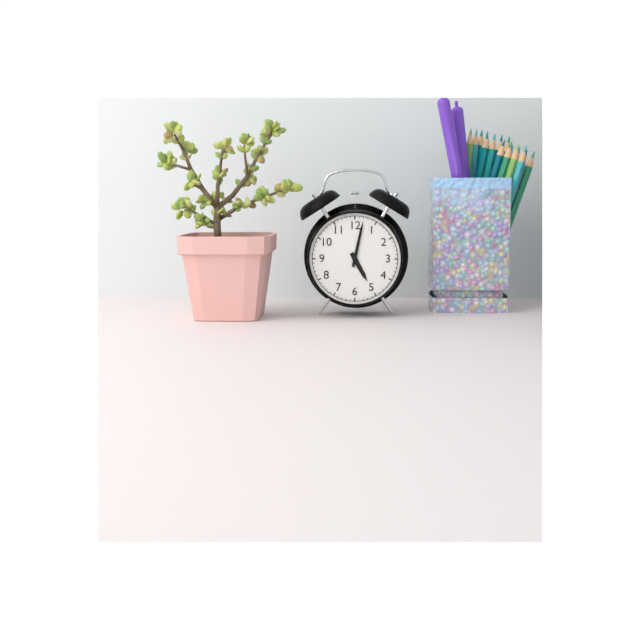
5h02
